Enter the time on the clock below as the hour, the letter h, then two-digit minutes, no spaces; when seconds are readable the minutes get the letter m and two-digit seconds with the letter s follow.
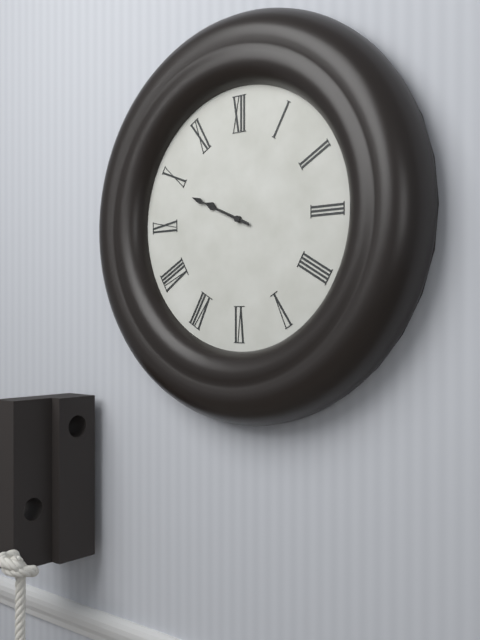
9h49
